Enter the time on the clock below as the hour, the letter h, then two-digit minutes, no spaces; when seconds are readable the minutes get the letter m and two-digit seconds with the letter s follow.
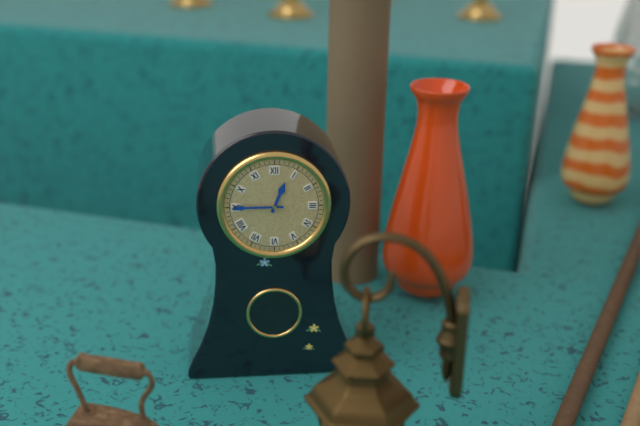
12h45
